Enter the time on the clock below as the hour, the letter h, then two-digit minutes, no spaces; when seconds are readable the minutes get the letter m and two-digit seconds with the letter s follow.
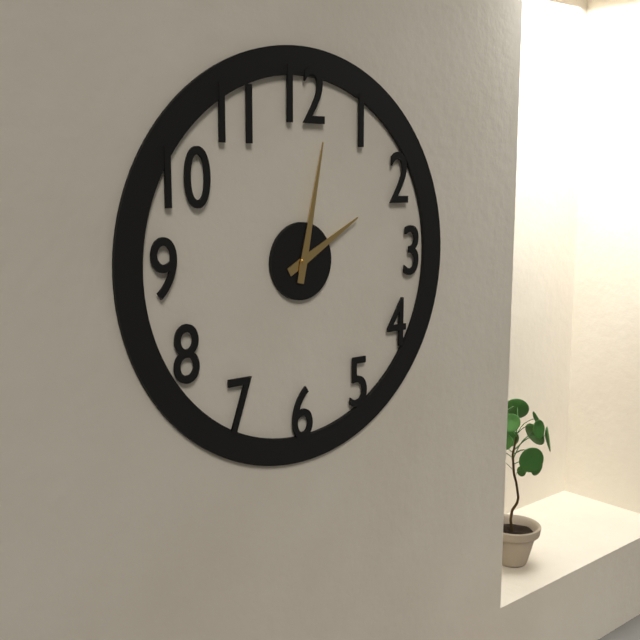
2h02
